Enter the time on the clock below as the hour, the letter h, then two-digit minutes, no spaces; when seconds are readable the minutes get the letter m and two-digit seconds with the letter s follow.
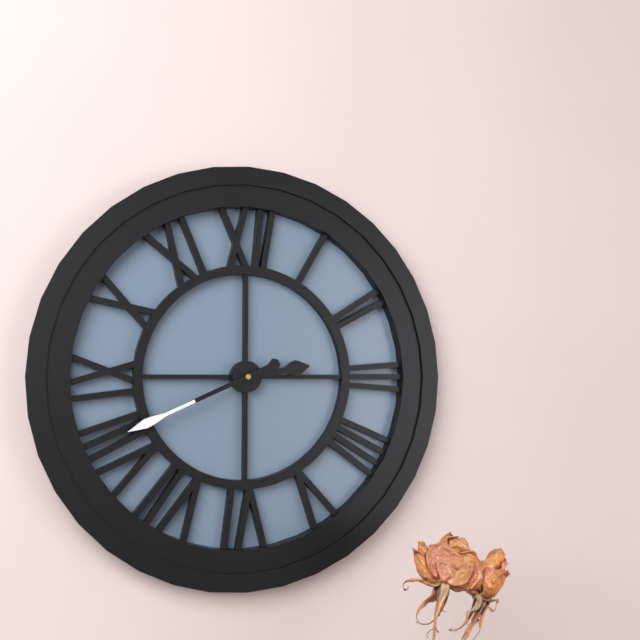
2h41
